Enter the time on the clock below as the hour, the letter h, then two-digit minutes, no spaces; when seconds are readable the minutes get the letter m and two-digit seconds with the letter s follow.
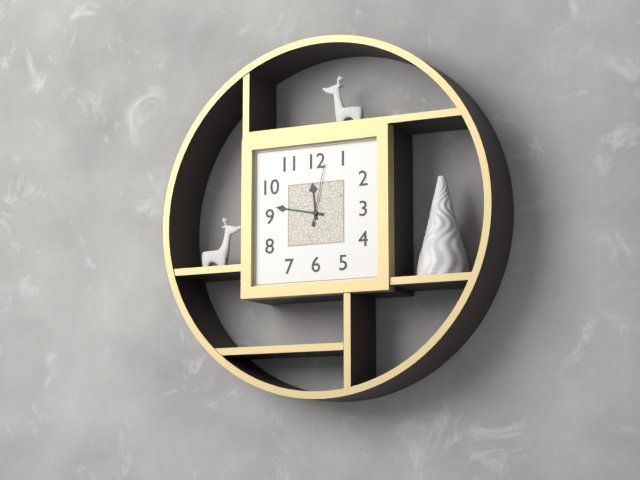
11h47m02s
